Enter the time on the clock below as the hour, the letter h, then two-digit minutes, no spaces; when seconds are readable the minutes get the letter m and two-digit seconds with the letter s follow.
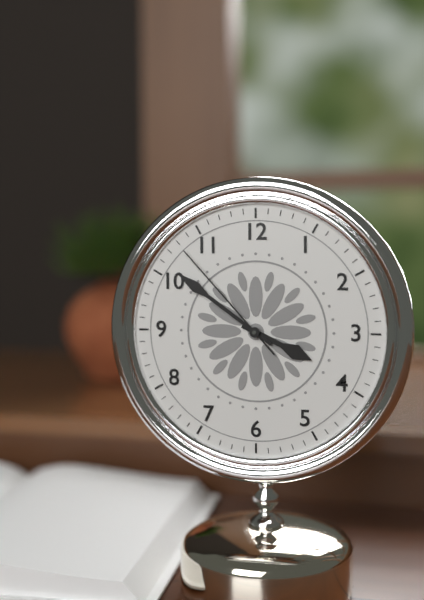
3h51m53s
